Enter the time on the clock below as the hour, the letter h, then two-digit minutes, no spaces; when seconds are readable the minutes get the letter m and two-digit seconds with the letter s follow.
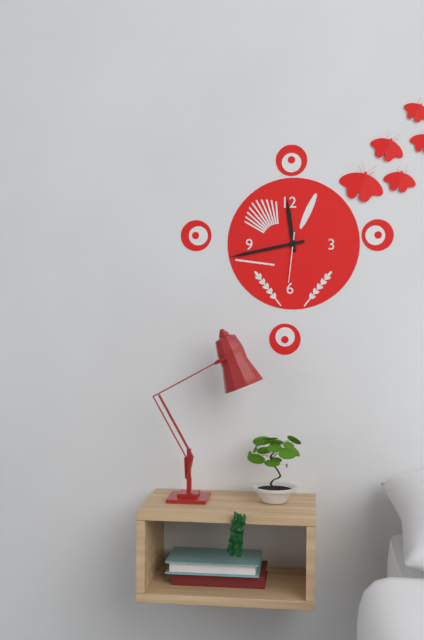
11h43
